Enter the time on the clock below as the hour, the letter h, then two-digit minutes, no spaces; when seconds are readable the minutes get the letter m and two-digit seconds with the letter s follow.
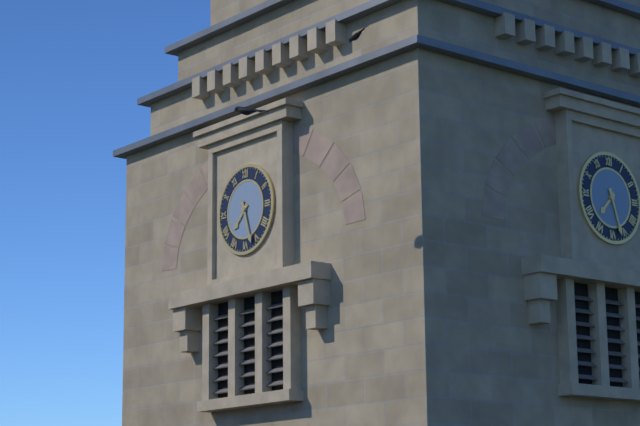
7h27
